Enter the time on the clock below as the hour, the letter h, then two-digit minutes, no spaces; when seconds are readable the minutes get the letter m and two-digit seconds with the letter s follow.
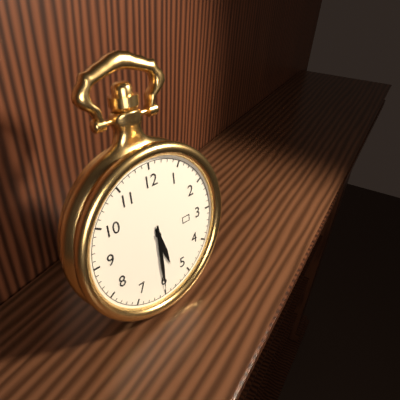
5h30
